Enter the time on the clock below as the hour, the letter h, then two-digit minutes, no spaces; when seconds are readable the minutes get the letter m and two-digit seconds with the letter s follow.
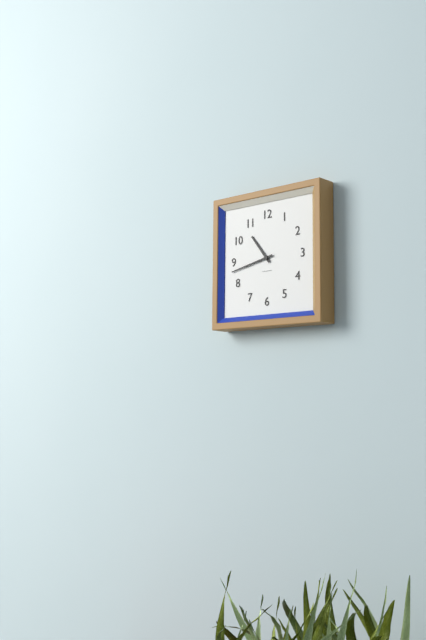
10h43
